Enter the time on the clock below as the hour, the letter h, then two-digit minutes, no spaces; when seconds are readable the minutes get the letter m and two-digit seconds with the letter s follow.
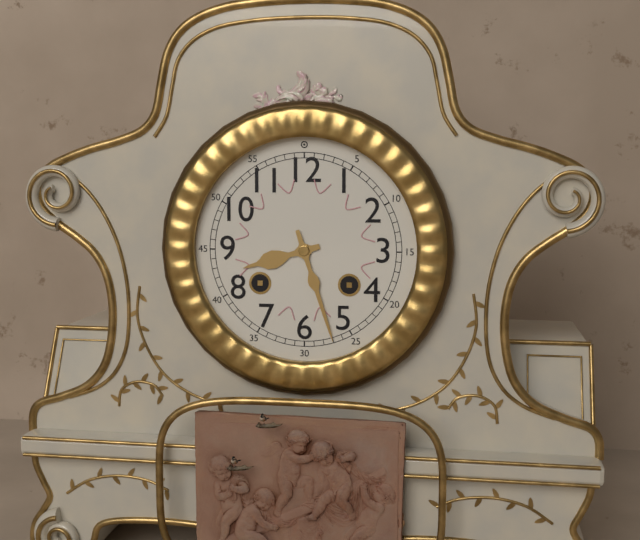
8h27
